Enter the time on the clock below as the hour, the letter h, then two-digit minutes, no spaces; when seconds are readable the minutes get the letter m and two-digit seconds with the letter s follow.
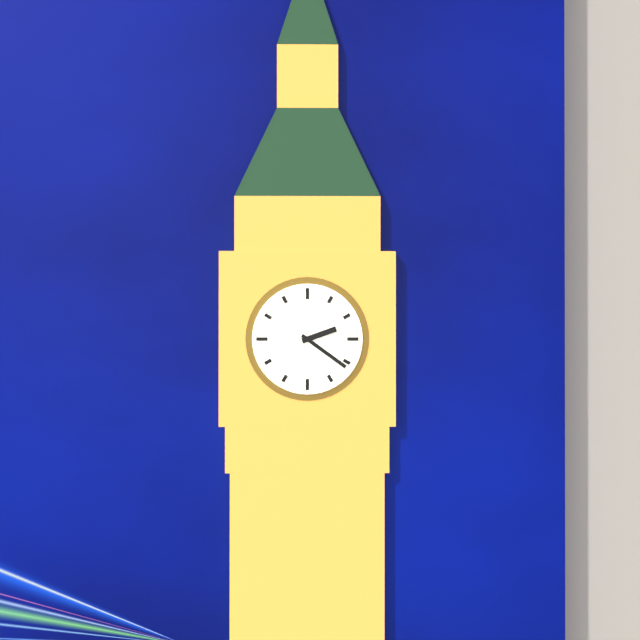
2h21
